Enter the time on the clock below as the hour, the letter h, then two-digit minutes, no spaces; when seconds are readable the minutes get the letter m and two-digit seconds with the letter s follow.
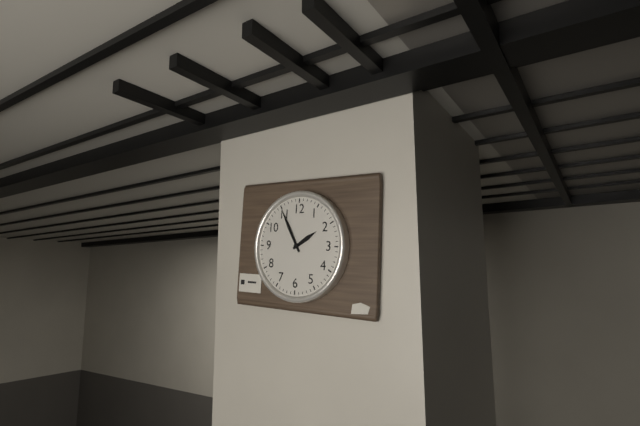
1h55
